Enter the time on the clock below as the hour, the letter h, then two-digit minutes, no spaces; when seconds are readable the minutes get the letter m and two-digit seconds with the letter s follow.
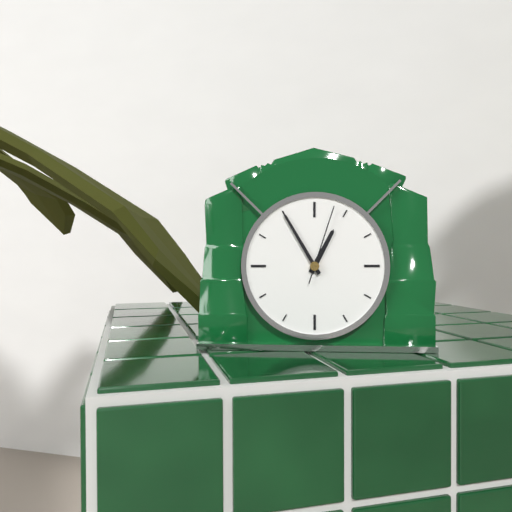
12h55m03s
